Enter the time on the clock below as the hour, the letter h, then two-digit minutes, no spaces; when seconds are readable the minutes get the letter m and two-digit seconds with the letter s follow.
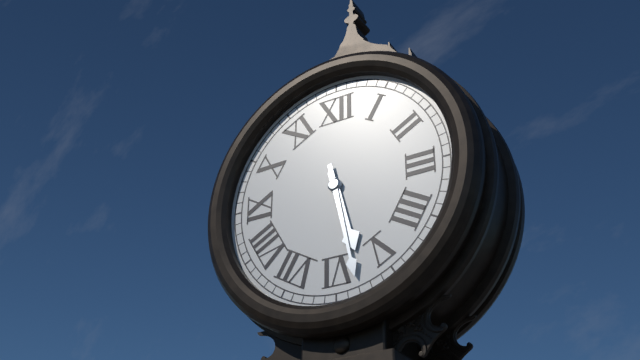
5h28
